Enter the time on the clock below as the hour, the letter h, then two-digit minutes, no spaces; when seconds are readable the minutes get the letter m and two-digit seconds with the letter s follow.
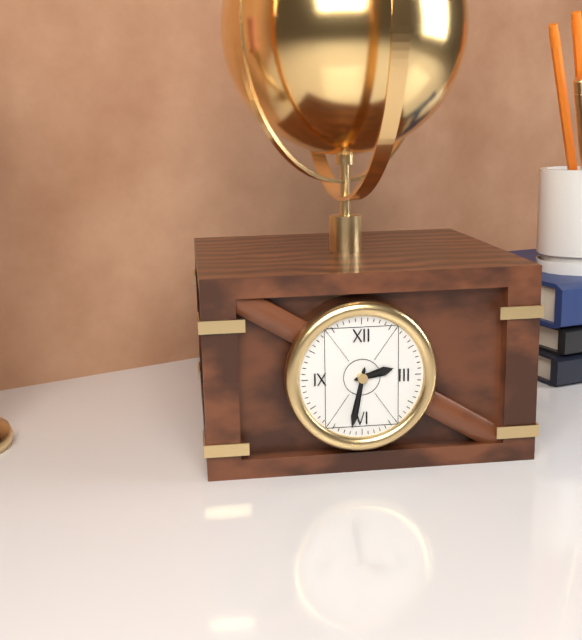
2h32
